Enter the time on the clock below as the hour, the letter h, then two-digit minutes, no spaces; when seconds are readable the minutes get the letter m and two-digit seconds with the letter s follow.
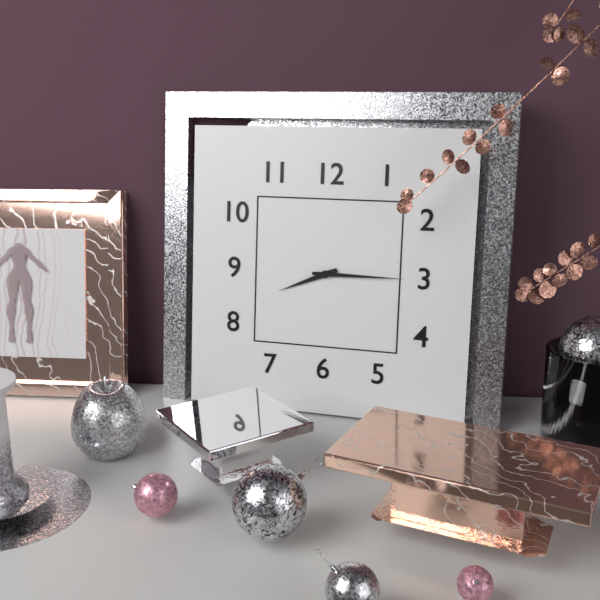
8h15
